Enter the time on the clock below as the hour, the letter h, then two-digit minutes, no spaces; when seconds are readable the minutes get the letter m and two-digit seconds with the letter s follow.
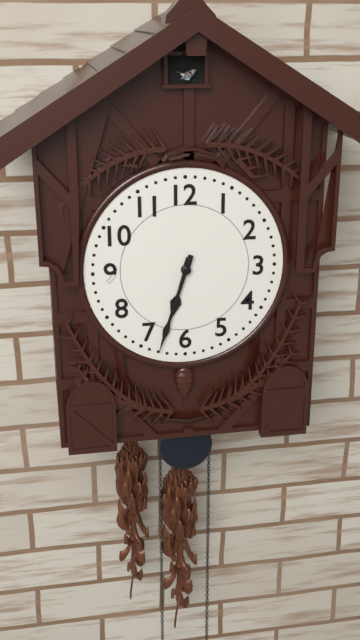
6h33
